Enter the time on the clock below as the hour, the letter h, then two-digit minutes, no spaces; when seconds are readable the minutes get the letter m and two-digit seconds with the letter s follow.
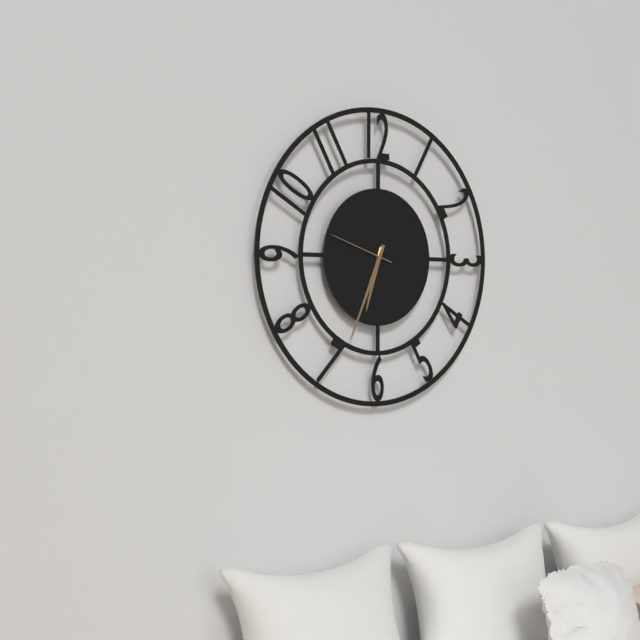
6h34m48s
